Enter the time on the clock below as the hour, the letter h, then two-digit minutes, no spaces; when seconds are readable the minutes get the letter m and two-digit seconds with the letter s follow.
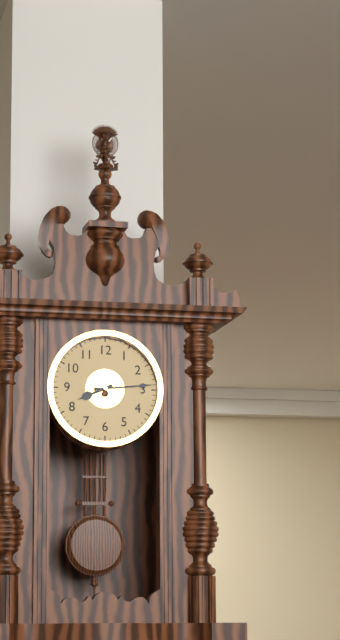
8h14
